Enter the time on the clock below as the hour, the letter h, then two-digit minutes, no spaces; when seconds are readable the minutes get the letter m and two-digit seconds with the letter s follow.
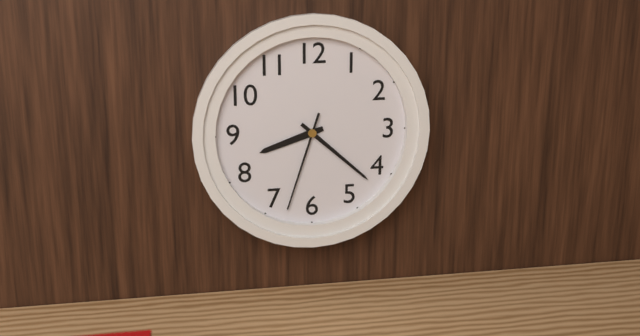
8h22m33s
